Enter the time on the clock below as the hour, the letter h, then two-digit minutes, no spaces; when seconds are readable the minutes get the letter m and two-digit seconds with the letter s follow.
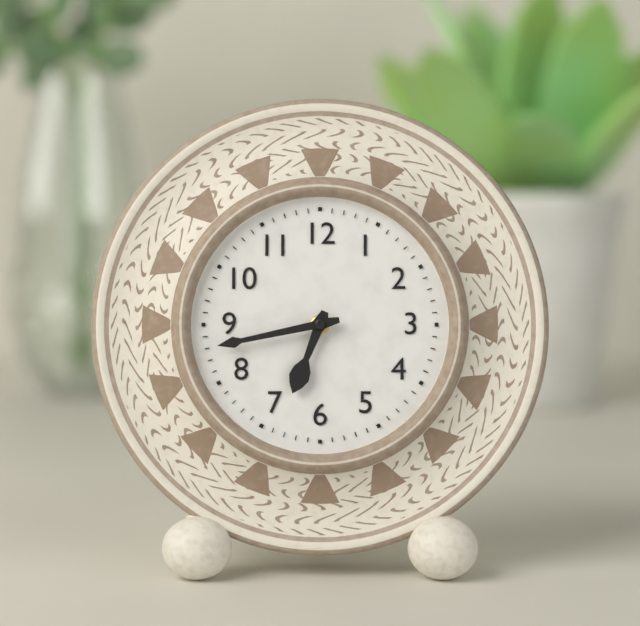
6h43
